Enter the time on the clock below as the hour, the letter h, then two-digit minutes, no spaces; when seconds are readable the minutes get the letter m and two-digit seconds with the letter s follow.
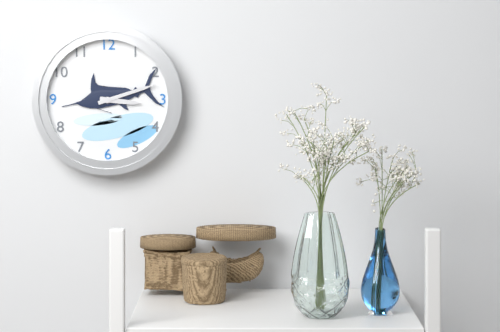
3h12
